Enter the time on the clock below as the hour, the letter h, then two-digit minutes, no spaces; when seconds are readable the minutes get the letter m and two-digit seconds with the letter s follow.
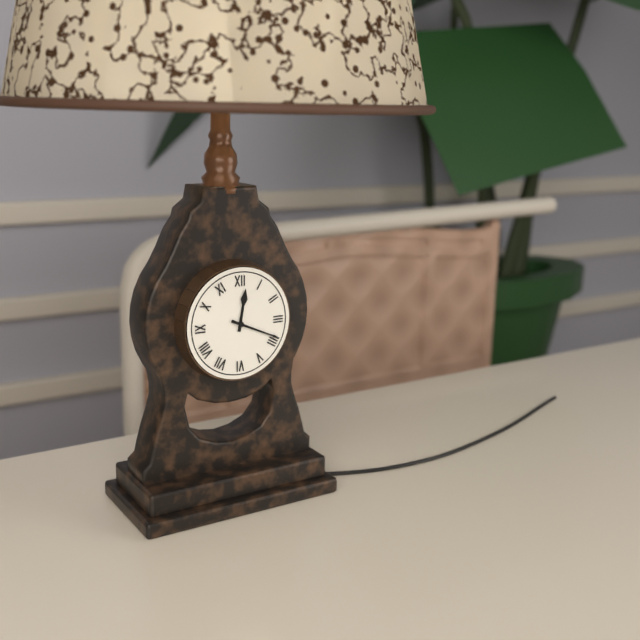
12h19
